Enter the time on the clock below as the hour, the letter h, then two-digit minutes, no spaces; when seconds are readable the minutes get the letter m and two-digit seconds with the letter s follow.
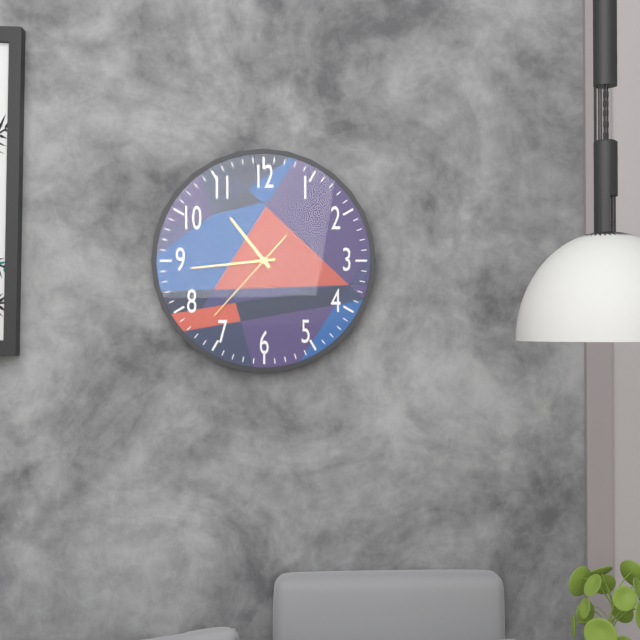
10h44m37s
